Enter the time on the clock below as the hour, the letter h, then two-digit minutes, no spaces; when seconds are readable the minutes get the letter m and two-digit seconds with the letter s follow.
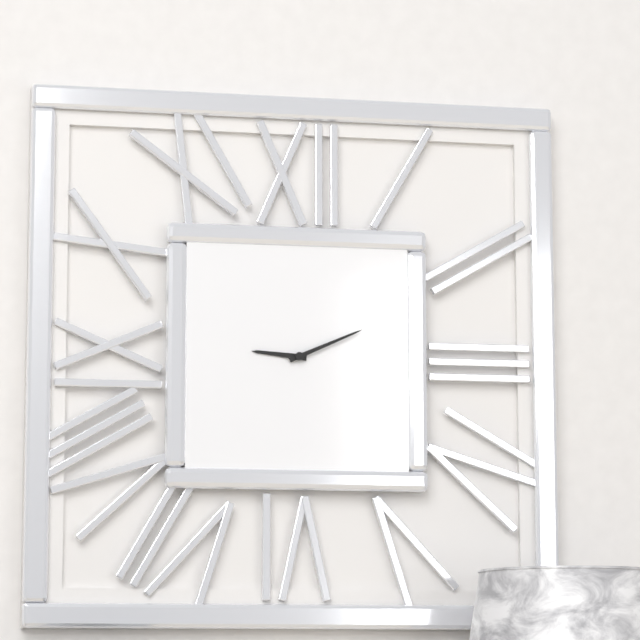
9h11
